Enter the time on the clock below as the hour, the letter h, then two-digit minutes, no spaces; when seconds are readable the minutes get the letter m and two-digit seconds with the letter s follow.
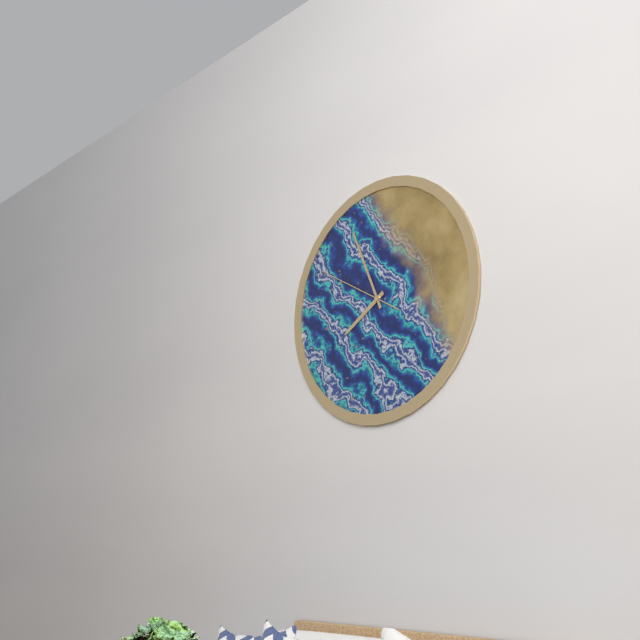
7h56m50s
